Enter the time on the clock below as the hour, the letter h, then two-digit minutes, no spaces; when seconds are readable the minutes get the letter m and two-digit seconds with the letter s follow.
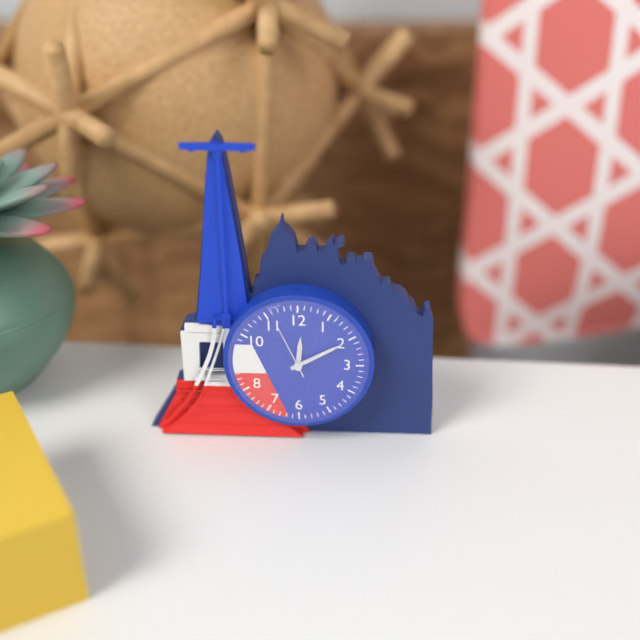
12h10m56s
